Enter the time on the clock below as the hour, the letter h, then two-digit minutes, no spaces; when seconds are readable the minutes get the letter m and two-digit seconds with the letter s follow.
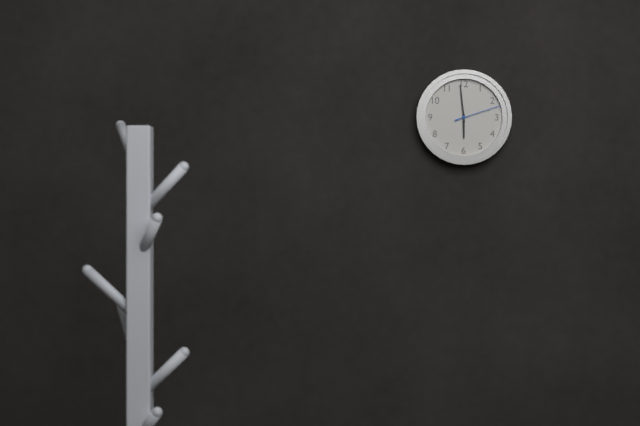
5h59
